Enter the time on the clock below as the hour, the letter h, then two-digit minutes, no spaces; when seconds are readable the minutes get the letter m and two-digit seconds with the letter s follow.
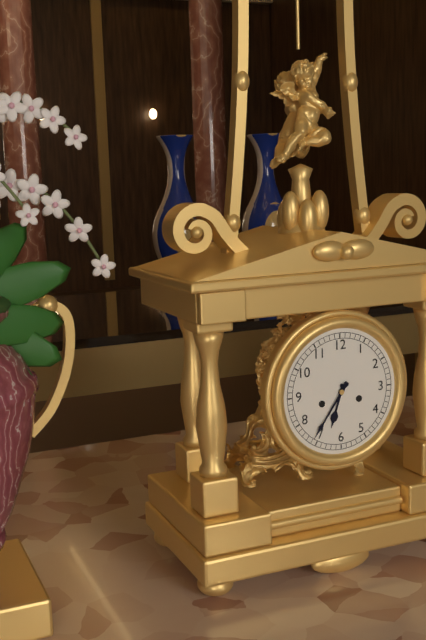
6h36
